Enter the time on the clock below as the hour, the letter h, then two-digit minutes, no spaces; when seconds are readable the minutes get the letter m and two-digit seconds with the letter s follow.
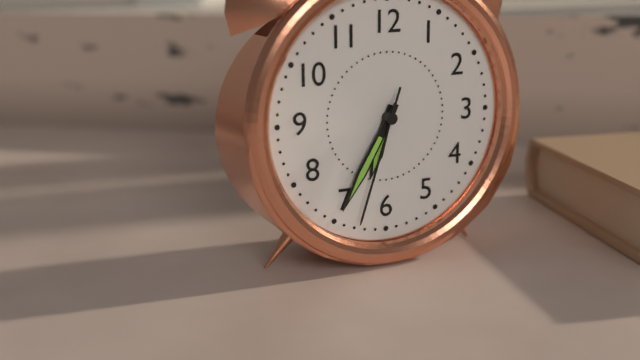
6h35m33s
